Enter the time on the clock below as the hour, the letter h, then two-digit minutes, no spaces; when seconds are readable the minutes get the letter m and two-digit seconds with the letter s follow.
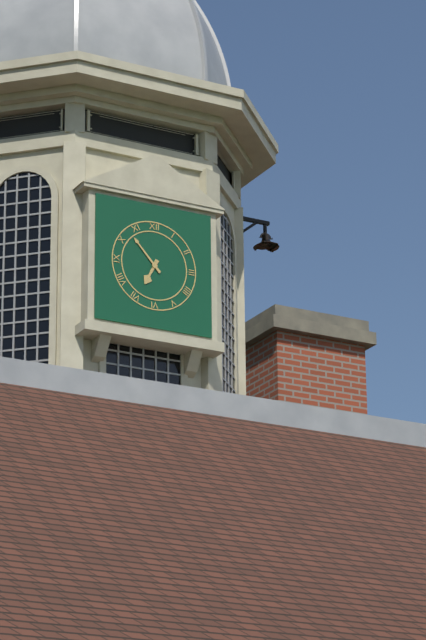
6h53
